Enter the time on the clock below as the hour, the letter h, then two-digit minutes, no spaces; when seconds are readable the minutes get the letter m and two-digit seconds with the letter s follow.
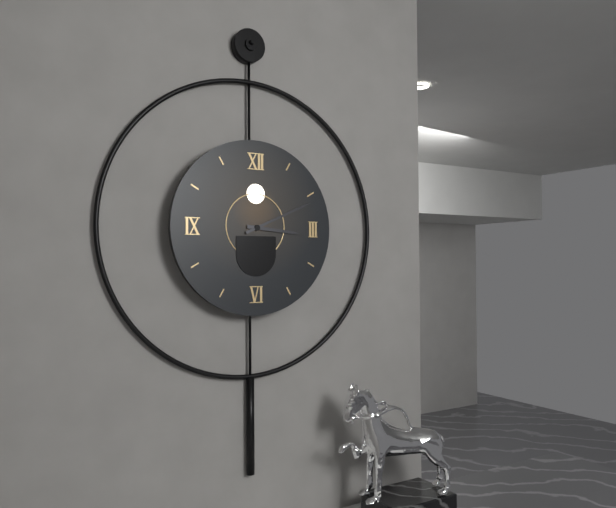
3h11
